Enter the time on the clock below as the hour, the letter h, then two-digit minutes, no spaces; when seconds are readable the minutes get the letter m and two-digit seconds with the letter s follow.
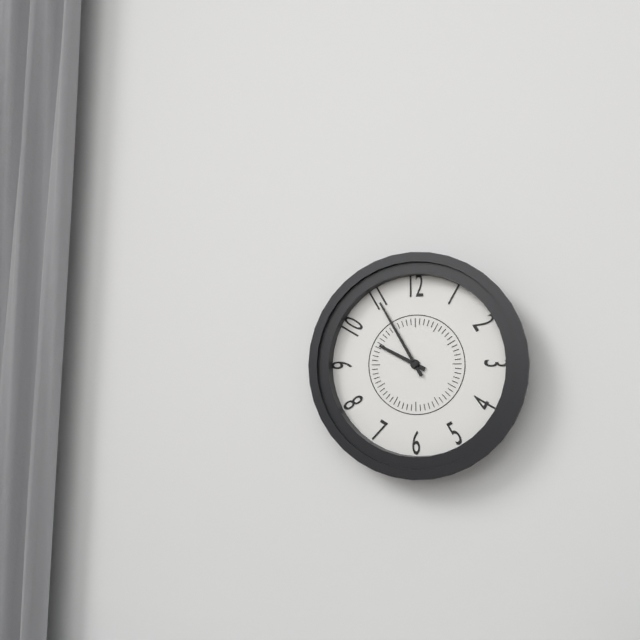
9h55
